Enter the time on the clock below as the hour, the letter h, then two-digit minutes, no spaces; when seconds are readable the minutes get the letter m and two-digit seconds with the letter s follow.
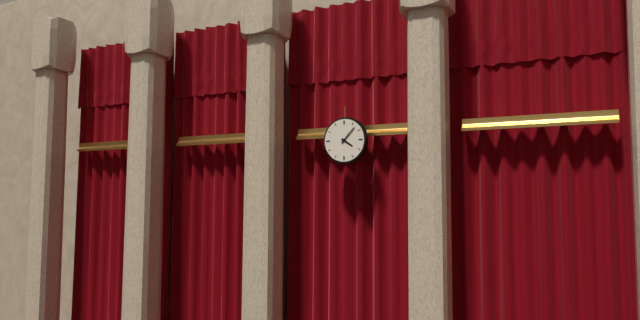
4h07
